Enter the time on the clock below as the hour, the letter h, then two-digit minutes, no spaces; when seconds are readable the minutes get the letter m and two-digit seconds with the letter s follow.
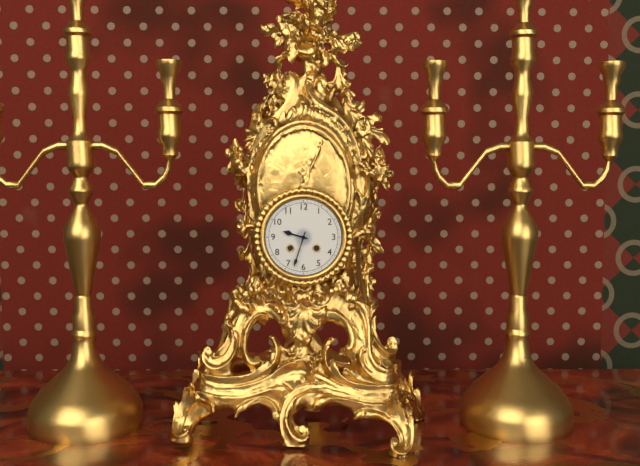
9h33
